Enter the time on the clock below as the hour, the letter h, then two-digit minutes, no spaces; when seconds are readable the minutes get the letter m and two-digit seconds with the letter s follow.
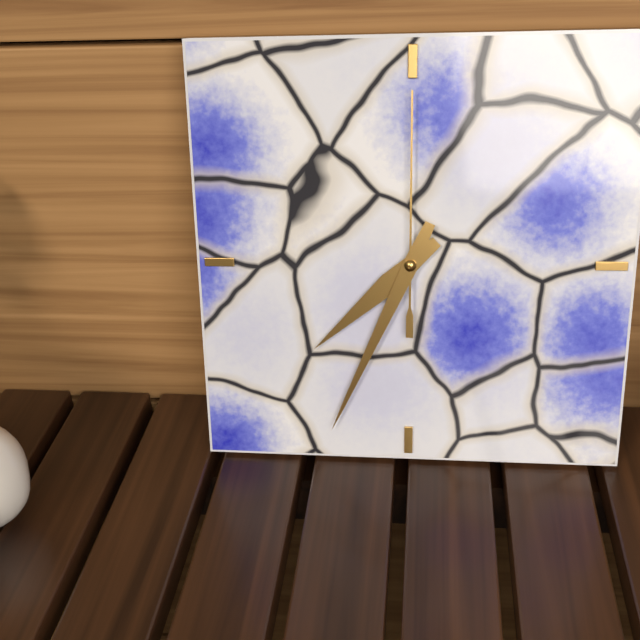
7h34m00s
